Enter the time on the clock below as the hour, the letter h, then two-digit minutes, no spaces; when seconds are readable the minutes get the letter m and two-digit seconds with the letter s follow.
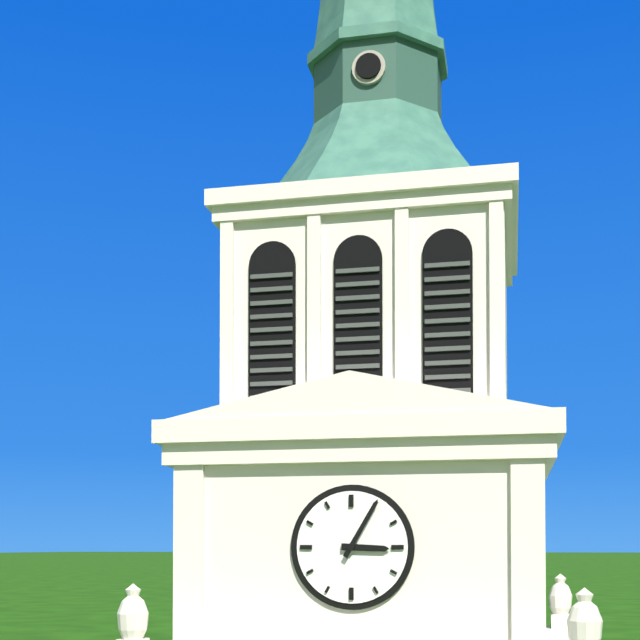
3h05
